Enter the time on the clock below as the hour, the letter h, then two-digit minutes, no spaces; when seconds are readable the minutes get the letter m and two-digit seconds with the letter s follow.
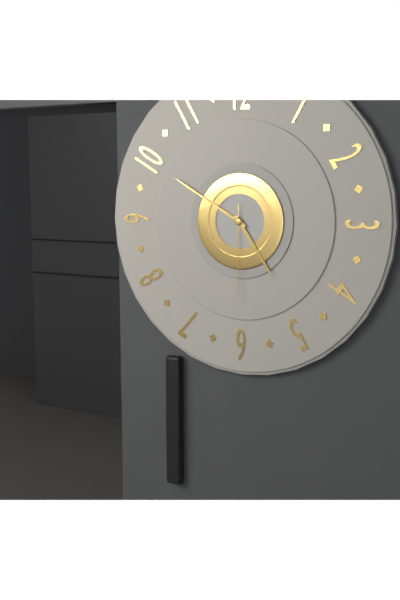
4h50m30s
